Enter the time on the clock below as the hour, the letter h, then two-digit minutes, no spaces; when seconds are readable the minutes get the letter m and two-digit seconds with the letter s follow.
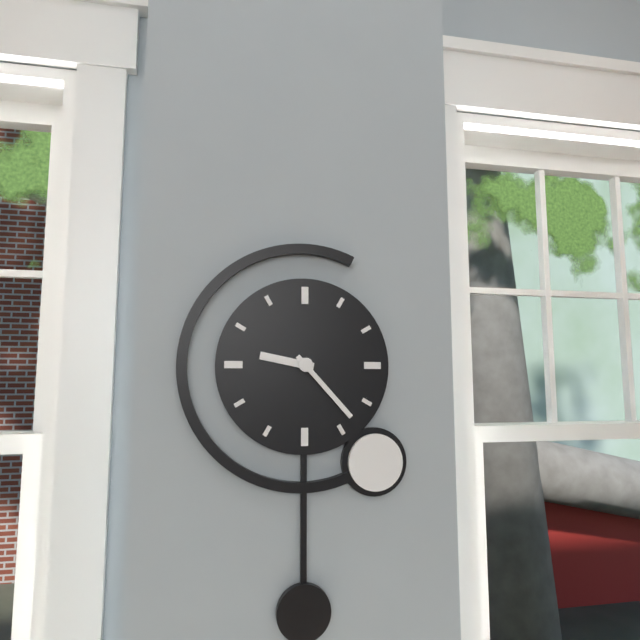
9h23
